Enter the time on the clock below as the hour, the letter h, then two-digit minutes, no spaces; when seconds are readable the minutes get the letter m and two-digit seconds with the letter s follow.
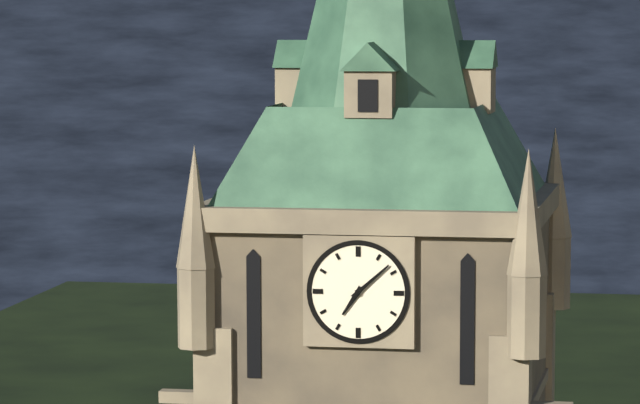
7h08
